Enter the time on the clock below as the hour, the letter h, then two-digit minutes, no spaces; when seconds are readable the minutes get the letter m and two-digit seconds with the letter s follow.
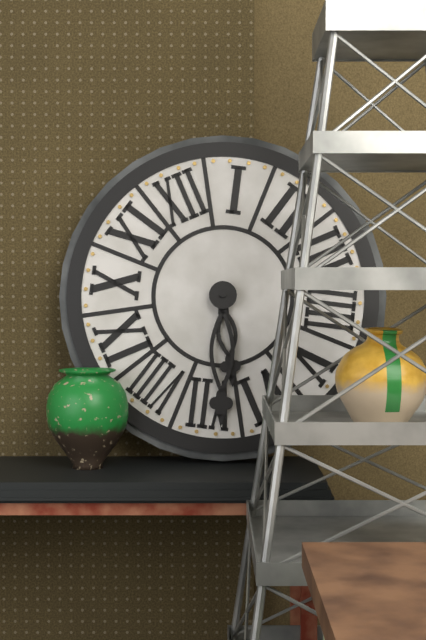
6h34
